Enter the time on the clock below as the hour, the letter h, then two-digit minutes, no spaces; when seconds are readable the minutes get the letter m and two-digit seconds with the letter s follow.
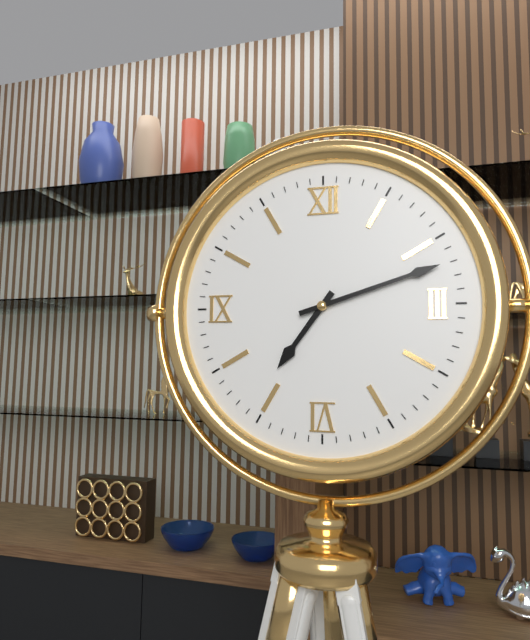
7h12
